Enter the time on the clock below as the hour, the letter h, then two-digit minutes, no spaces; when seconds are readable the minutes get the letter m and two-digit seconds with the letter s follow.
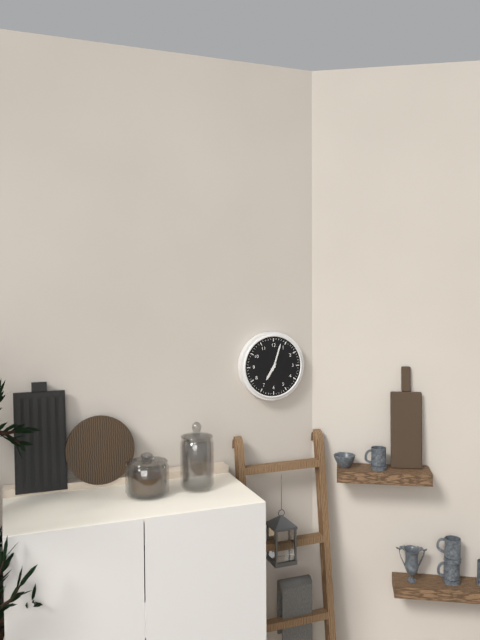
7h03
